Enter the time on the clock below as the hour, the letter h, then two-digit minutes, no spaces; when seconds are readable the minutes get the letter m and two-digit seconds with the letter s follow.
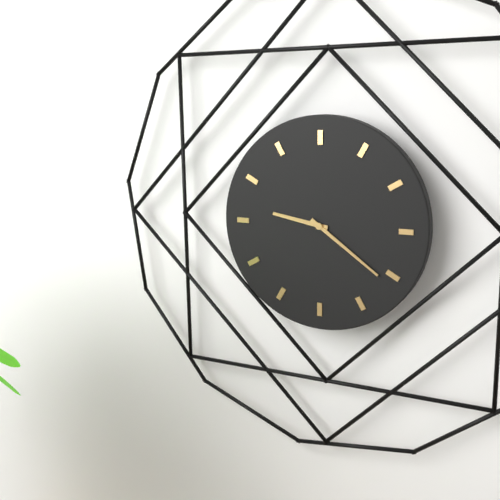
9h21
